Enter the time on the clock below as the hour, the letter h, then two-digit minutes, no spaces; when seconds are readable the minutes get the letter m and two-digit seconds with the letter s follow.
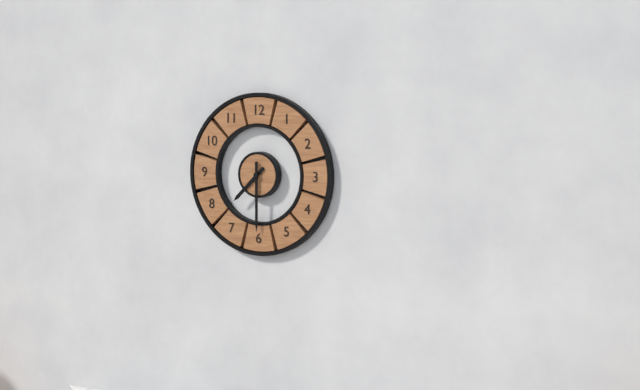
7h30
